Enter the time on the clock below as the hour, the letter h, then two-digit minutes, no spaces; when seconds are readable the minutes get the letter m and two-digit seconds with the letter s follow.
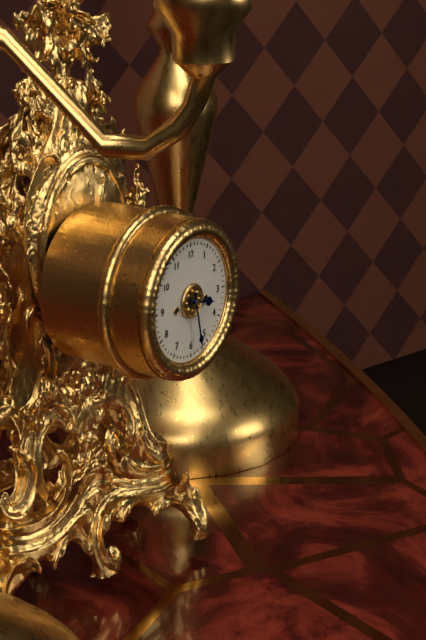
3h28
